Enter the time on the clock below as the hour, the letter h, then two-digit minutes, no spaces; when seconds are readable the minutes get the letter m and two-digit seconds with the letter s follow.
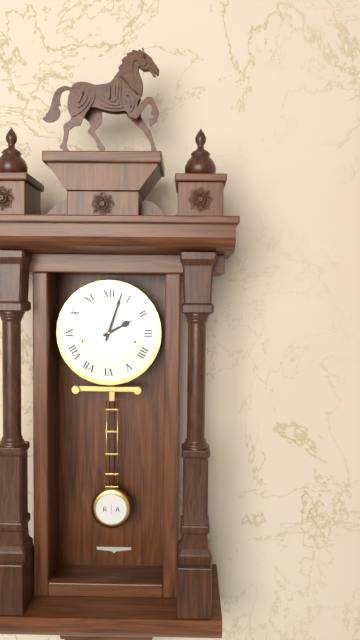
2h03
